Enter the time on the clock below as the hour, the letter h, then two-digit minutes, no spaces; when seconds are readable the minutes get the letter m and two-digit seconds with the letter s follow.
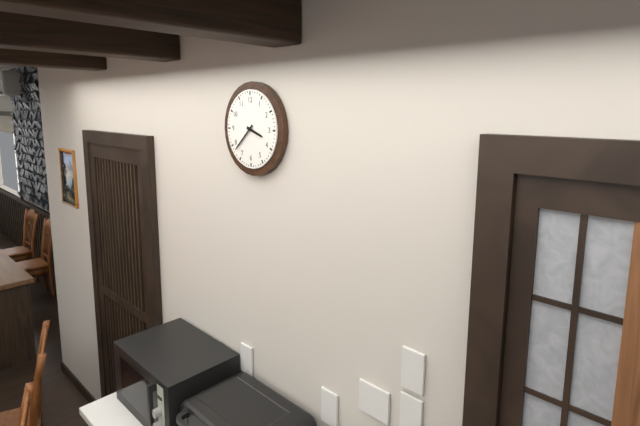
3h38
